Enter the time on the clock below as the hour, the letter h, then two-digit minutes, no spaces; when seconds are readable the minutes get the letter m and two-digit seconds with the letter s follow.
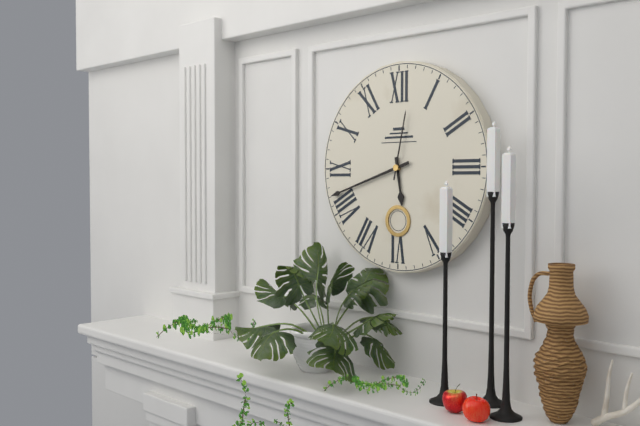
5h42m02s
